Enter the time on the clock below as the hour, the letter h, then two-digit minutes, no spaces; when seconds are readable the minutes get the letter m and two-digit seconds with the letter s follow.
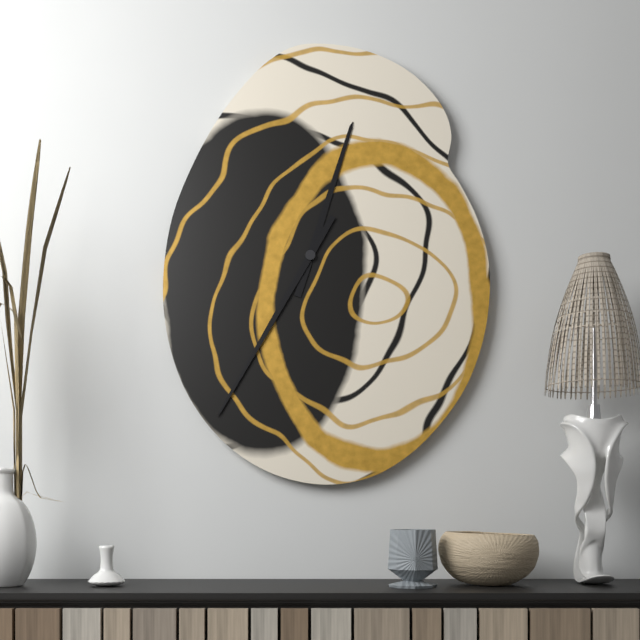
12h35
